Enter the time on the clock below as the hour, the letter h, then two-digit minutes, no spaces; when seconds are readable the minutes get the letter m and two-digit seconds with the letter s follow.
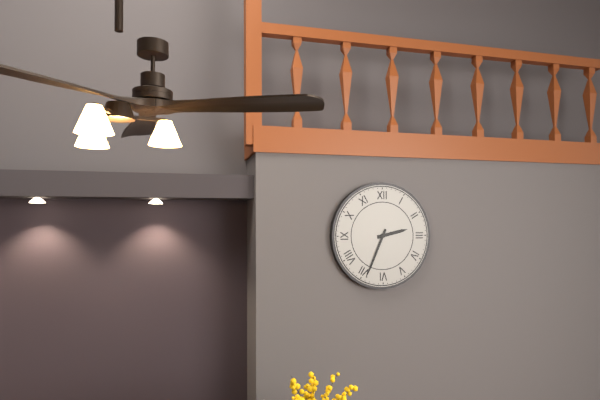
2h34
